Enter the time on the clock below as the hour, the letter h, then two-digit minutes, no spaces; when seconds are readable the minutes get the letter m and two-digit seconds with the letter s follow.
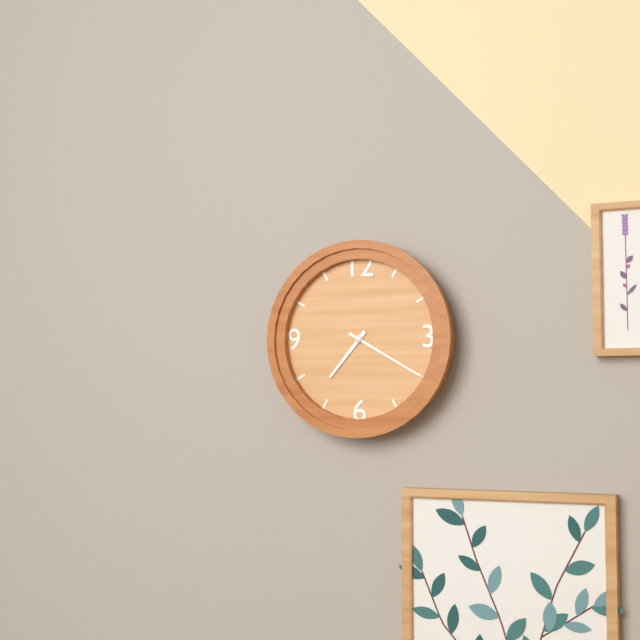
7h20
